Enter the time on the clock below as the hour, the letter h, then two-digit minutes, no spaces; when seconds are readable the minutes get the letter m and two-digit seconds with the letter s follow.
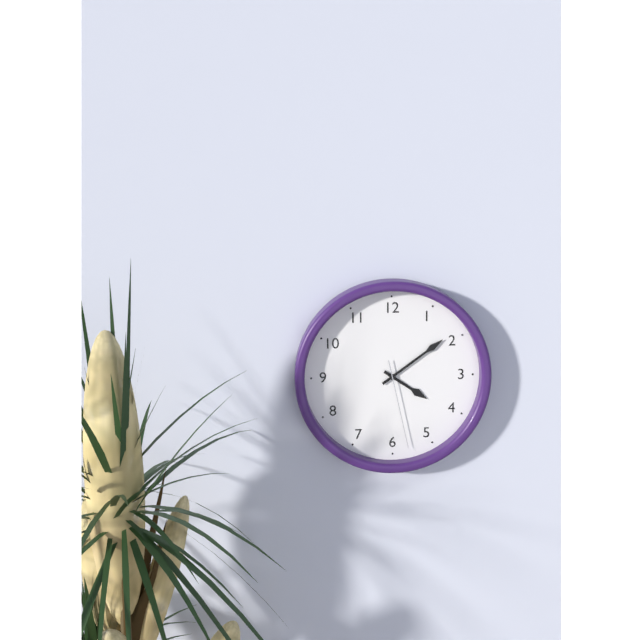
4h09m28s
